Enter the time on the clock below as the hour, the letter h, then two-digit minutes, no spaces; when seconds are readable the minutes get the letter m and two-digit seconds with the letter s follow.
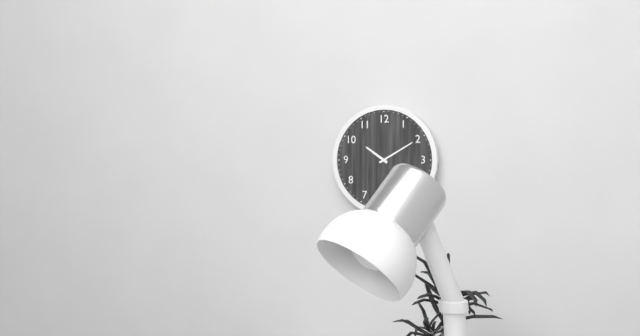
10h10
